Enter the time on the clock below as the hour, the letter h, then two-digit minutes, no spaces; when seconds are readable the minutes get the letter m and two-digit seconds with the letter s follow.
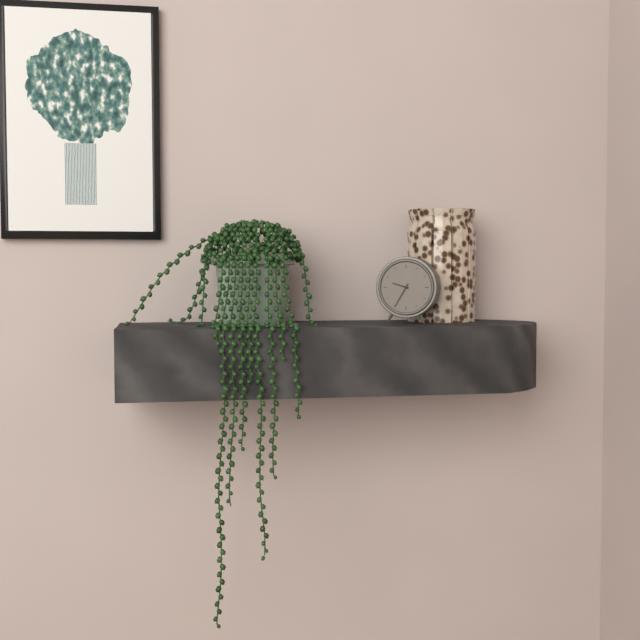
9h35
